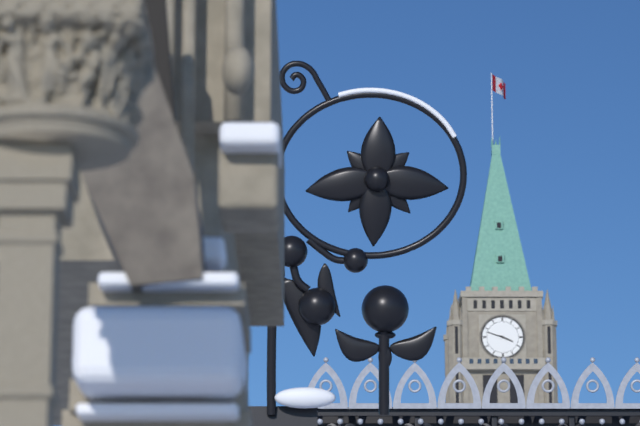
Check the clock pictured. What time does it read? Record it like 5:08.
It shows 3:48
